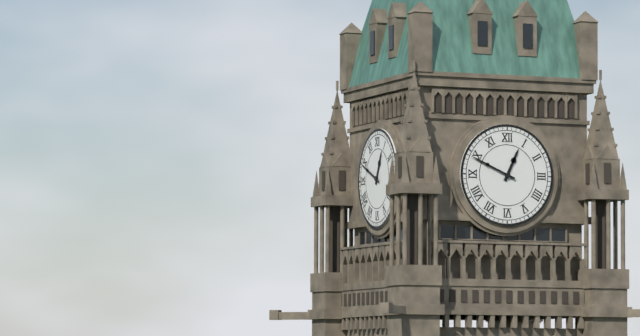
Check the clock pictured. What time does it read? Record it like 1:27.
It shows 12:49
